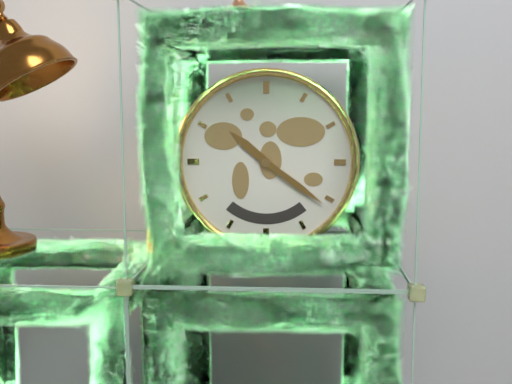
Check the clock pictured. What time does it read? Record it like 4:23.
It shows 10:21
